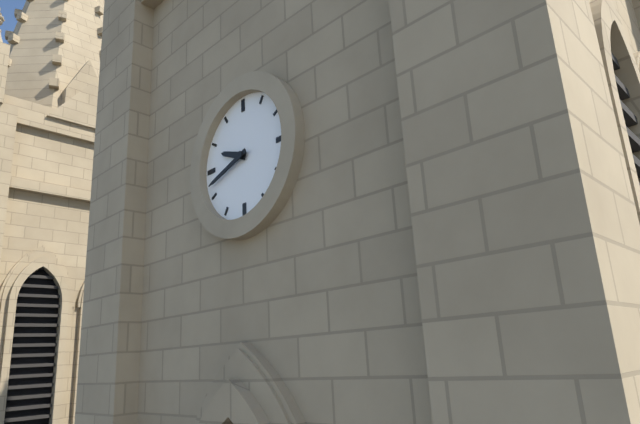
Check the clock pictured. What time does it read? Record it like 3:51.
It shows 9:42
